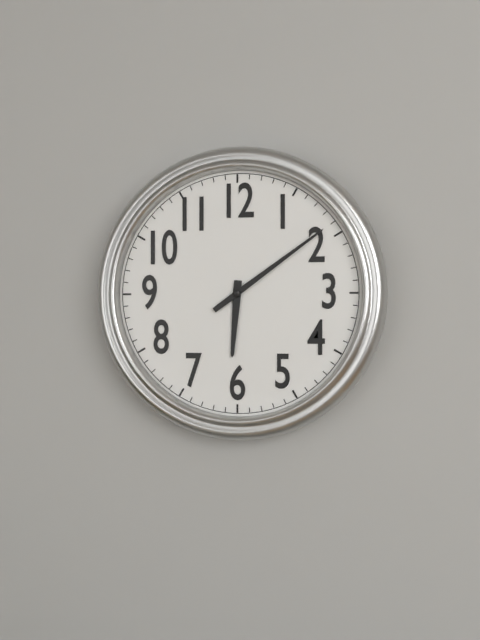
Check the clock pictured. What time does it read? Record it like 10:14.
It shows 6:09
